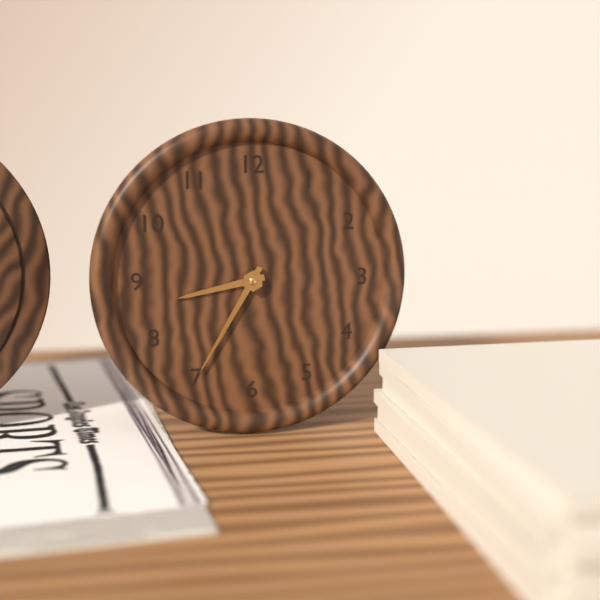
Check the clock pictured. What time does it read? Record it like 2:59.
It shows 8:35
